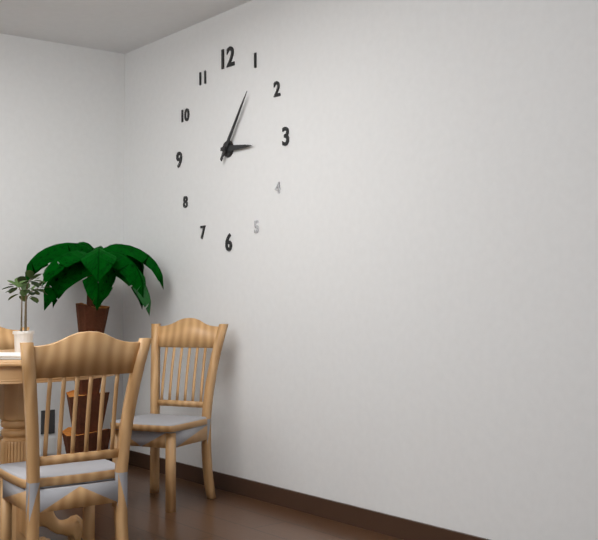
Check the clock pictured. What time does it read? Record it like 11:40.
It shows 3:06
